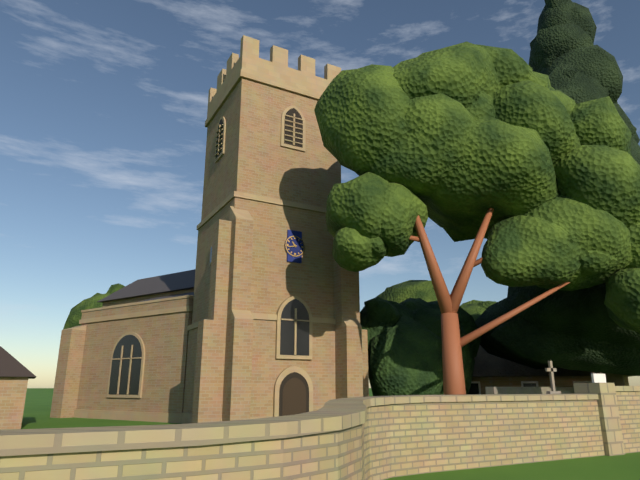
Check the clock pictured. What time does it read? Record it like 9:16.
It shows 10:43
